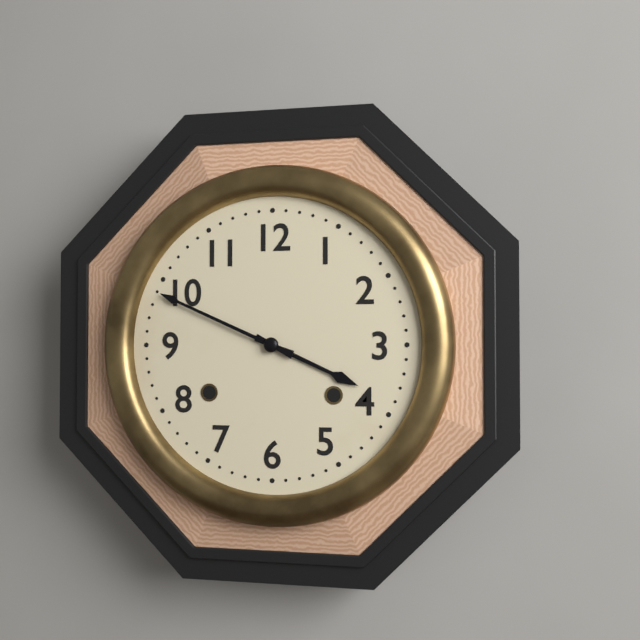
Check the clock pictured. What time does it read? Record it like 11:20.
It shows 3:49
